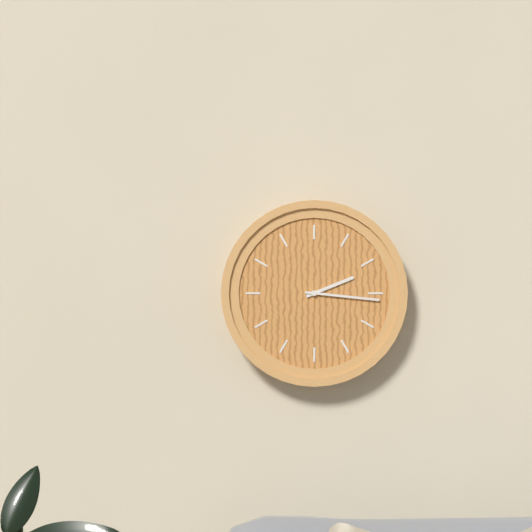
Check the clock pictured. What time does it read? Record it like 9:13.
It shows 2:16
